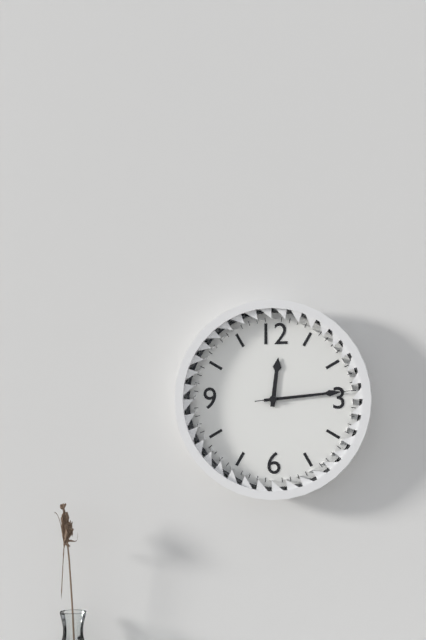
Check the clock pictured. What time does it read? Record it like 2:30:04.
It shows 12:14:14
